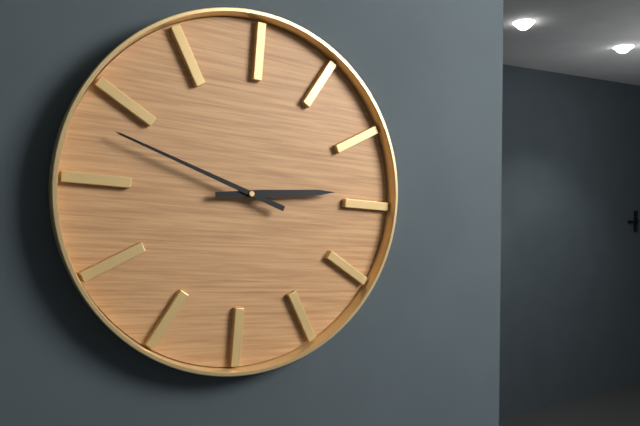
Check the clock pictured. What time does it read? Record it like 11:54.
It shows 2:48
